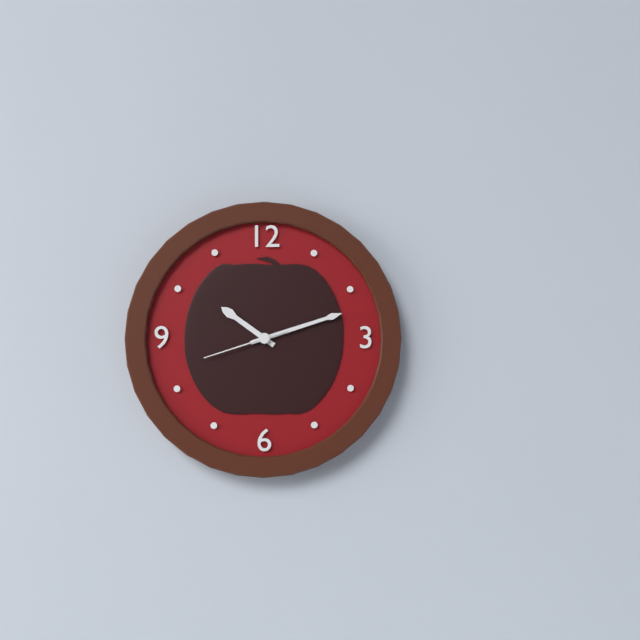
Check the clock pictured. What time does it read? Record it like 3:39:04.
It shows 10:12:42
